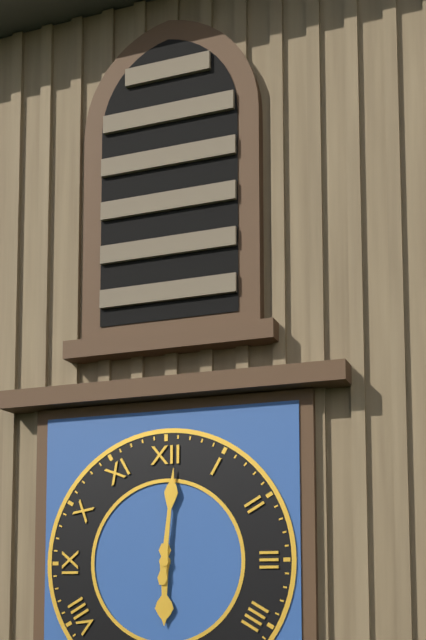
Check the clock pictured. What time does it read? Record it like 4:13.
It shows 6:01
